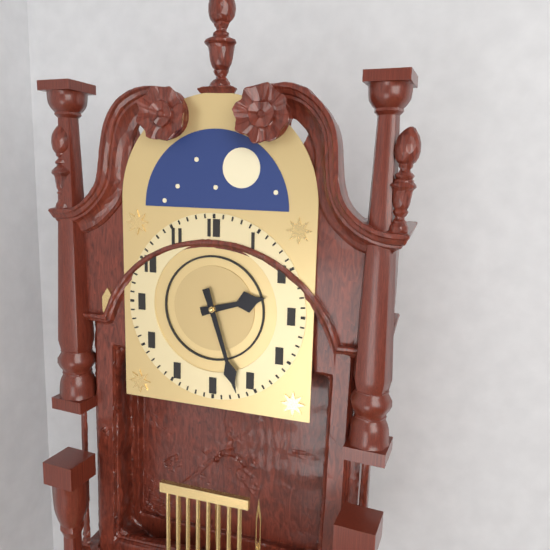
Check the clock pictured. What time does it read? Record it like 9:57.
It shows 2:27
